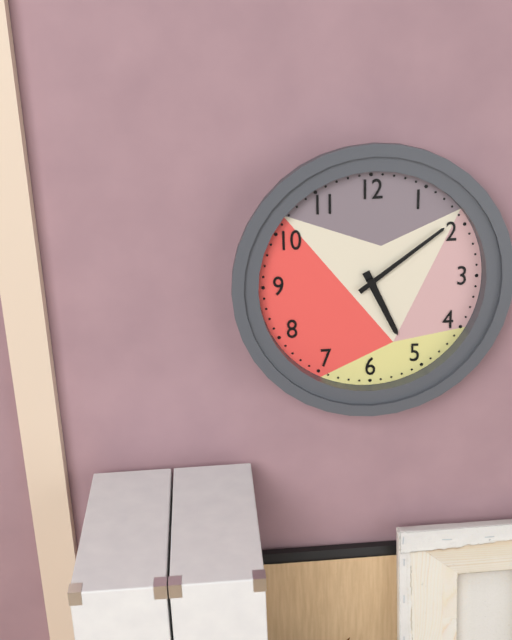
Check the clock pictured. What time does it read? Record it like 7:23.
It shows 5:09
